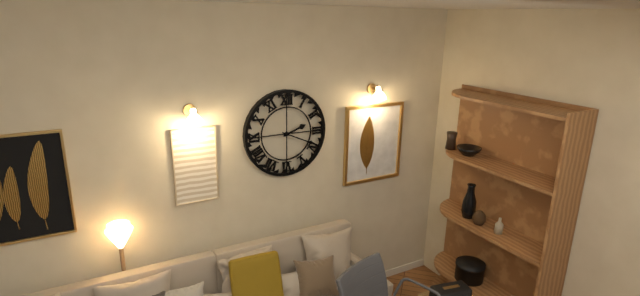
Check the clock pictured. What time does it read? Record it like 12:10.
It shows 2:19
